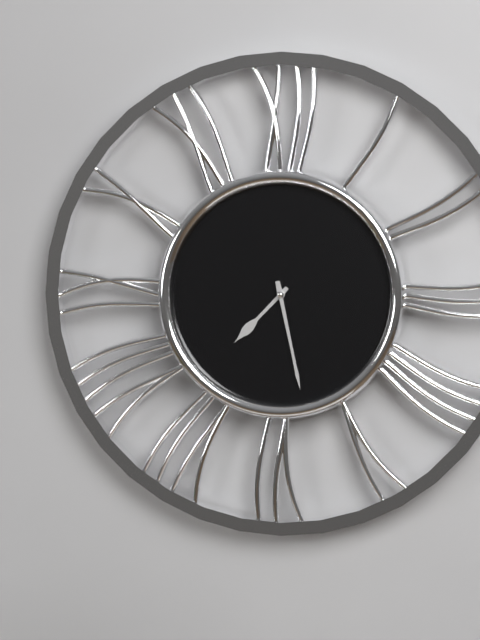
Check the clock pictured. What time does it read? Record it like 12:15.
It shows 7:28
